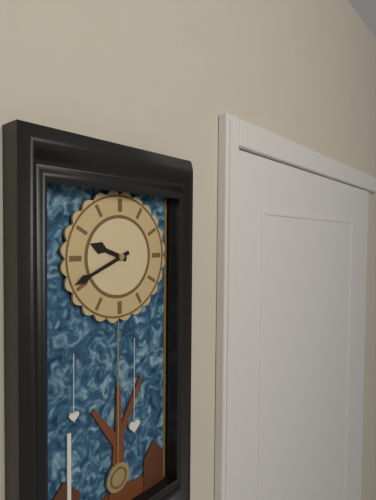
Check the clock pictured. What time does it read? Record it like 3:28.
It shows 9:41
